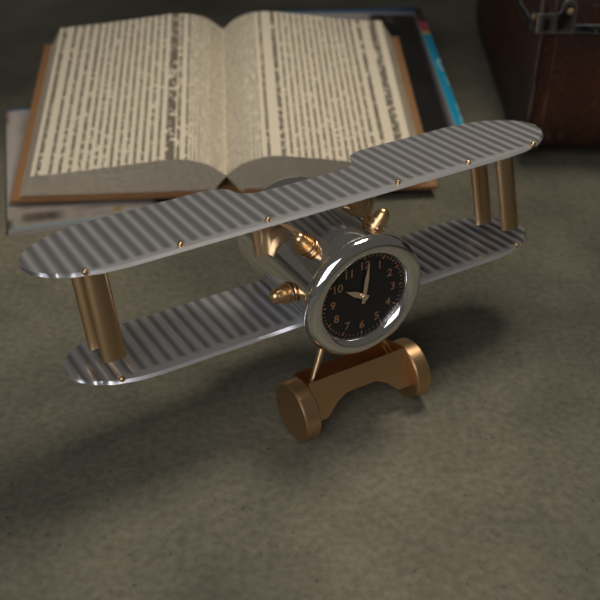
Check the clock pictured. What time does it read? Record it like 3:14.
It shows 10:01
